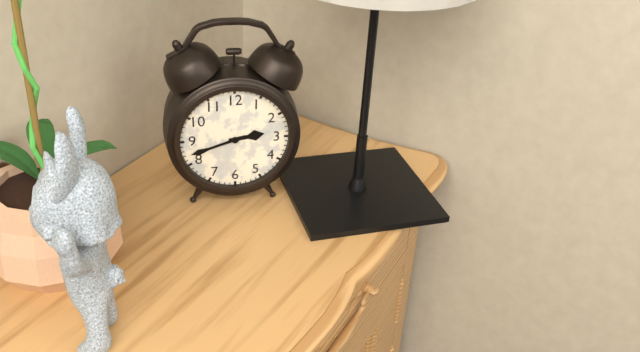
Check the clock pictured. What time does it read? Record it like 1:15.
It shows 2:42
